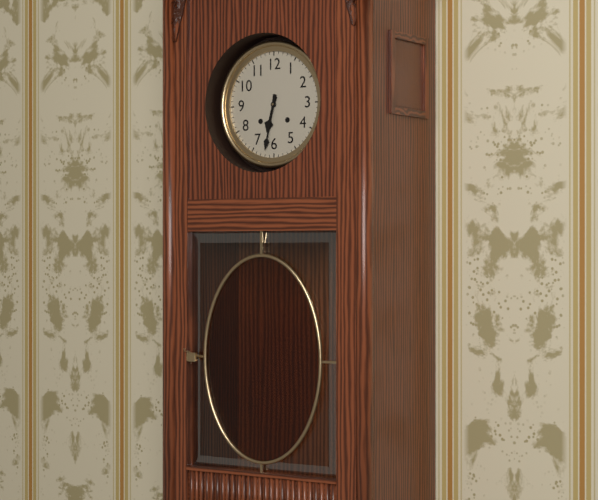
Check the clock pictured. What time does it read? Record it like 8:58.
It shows 6:32
